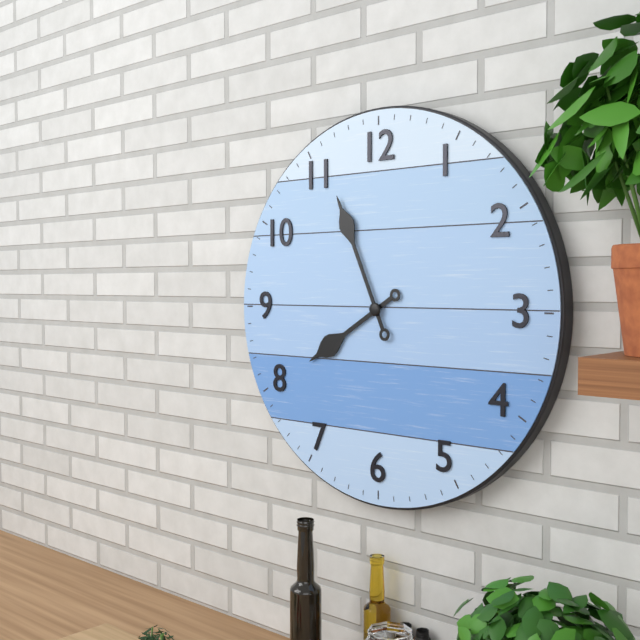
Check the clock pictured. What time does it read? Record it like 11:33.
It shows 7:56
